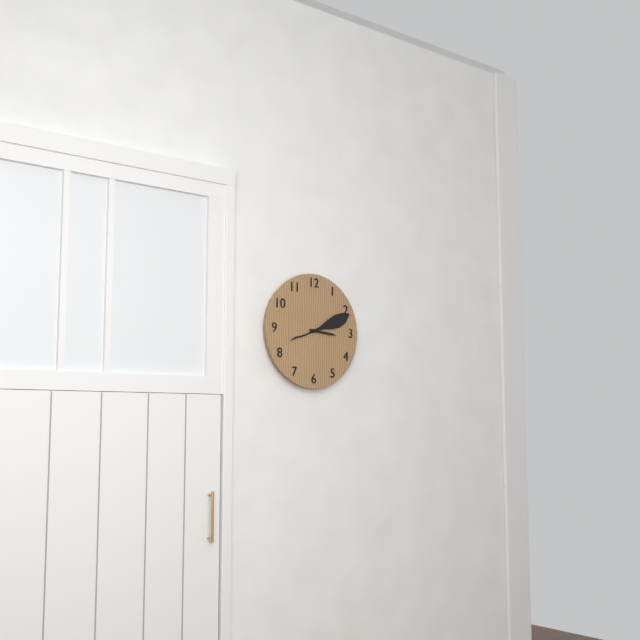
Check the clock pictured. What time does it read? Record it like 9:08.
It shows 3:11
